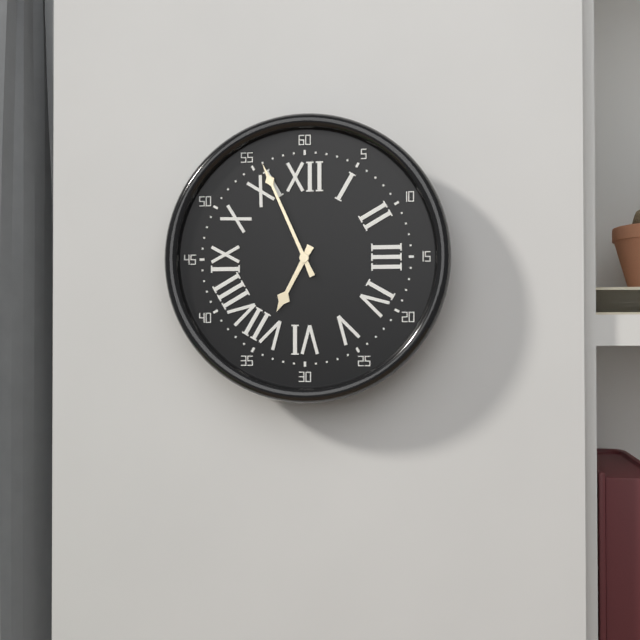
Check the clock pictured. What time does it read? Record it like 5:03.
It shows 6:56
